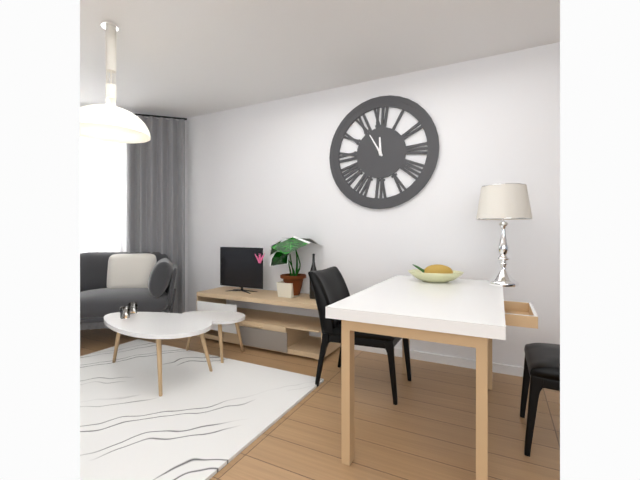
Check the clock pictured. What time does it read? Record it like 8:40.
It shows 11:55
